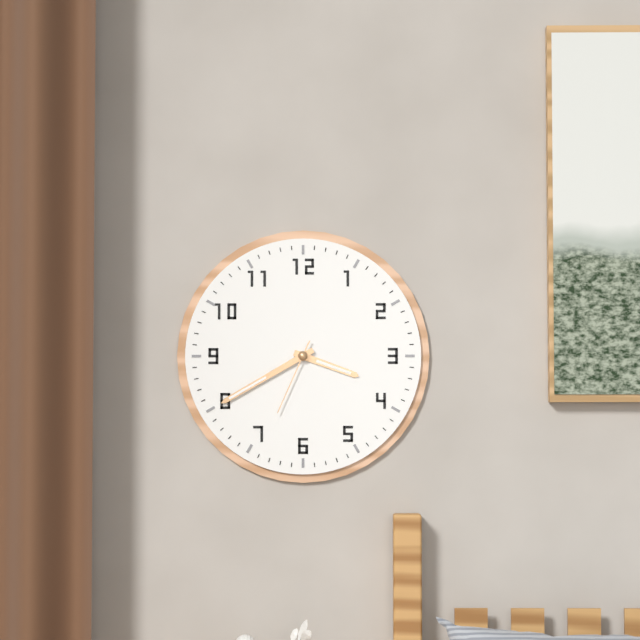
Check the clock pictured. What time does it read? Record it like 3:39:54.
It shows 3:40:34
